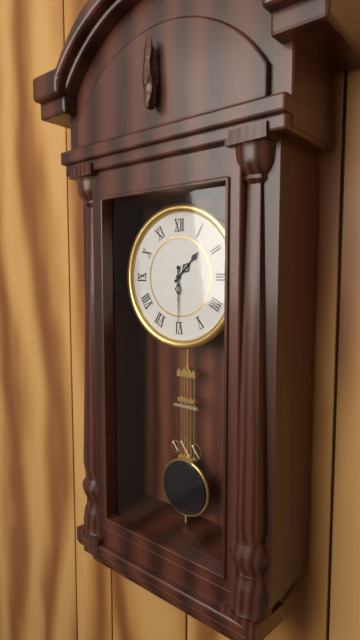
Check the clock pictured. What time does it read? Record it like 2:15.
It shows 1:30
